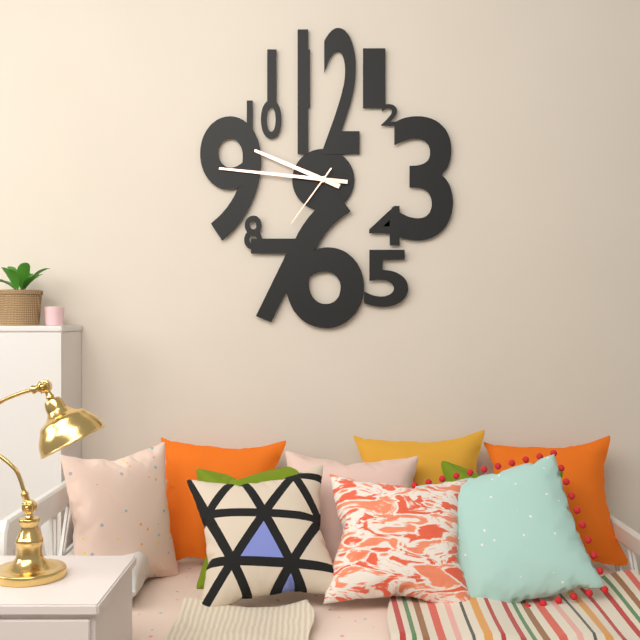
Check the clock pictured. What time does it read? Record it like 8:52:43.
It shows 9:46:36
